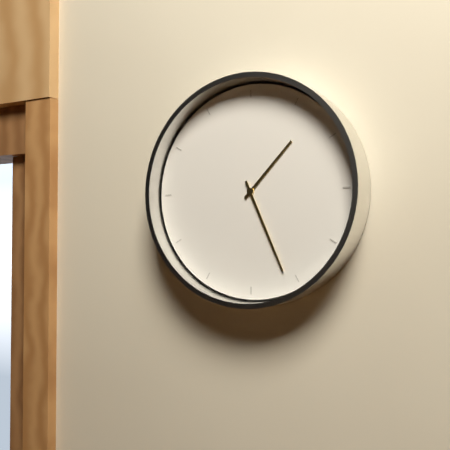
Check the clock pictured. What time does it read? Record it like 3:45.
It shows 1:26
